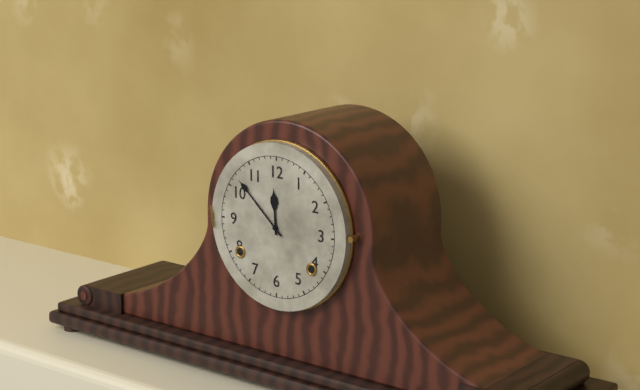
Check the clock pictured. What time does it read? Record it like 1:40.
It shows 11:52
